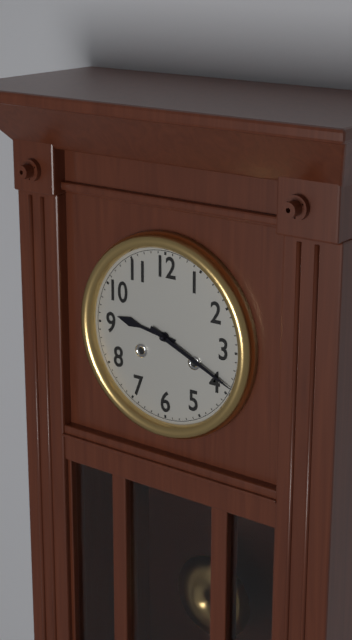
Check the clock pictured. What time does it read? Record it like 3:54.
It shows 9:19
